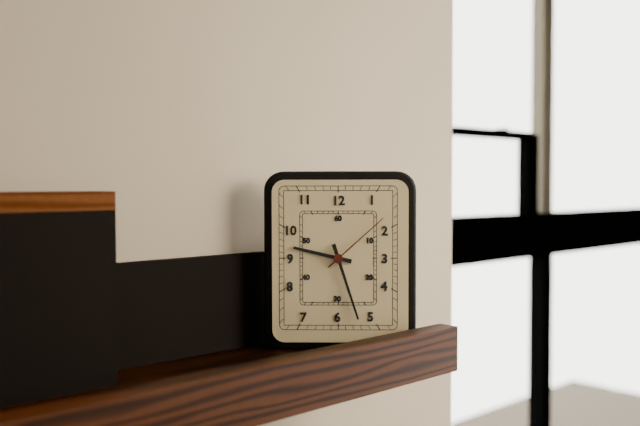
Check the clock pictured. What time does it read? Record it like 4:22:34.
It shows 9:27:08
